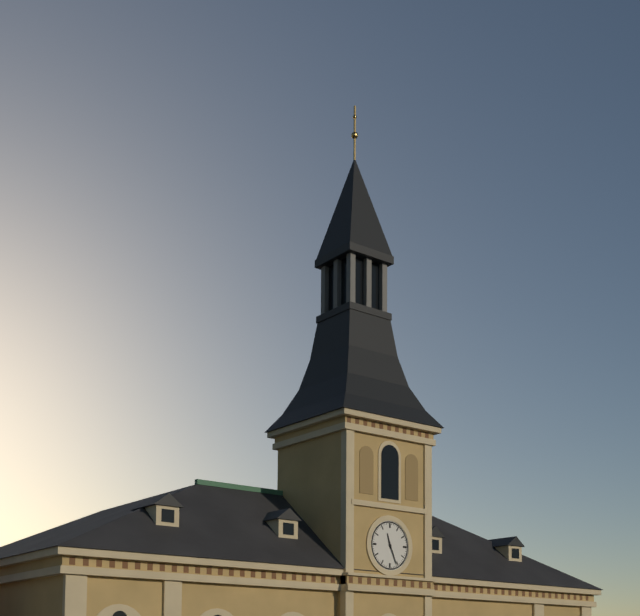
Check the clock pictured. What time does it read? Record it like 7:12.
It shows 11:26
